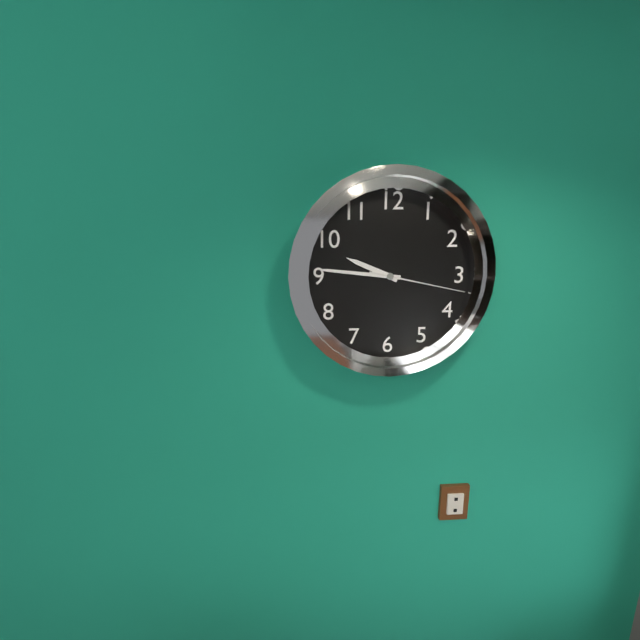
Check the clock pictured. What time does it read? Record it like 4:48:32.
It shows 9:46:17
